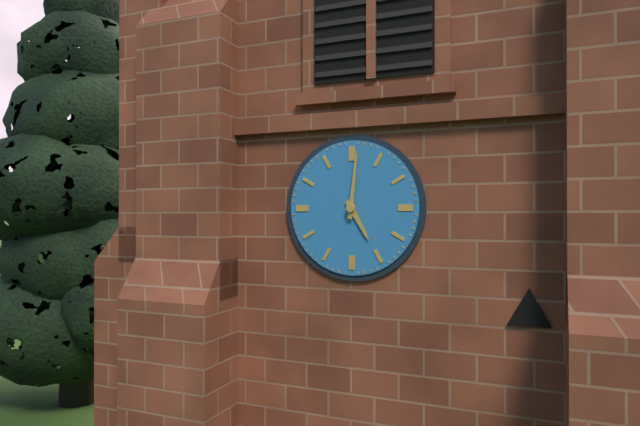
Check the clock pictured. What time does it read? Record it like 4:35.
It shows 5:01
